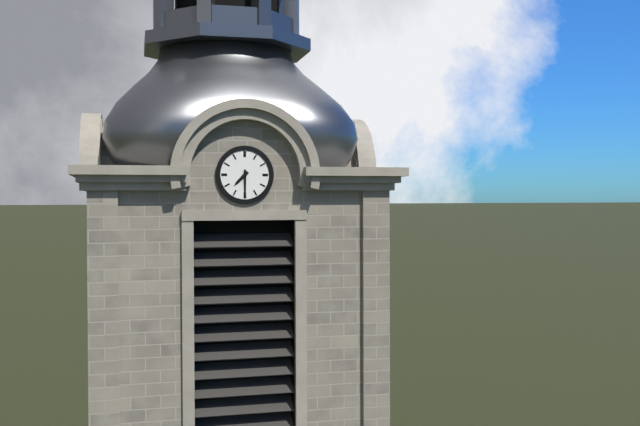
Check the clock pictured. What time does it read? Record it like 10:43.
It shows 7:30
